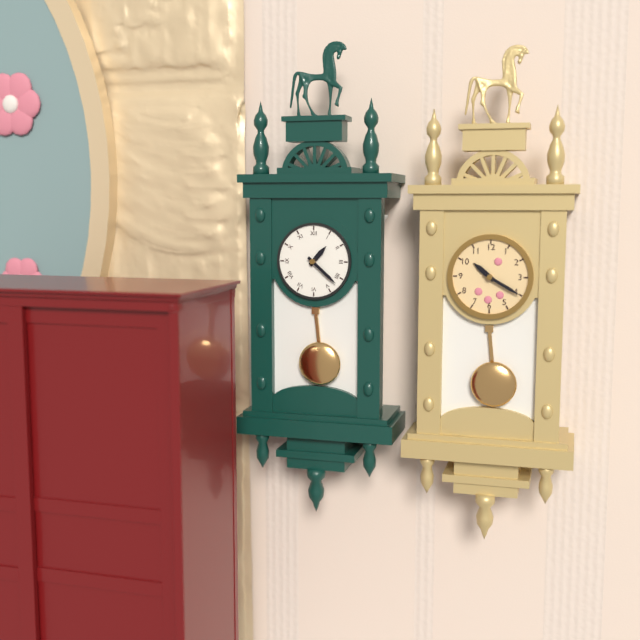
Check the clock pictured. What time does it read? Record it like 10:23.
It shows 1:22
